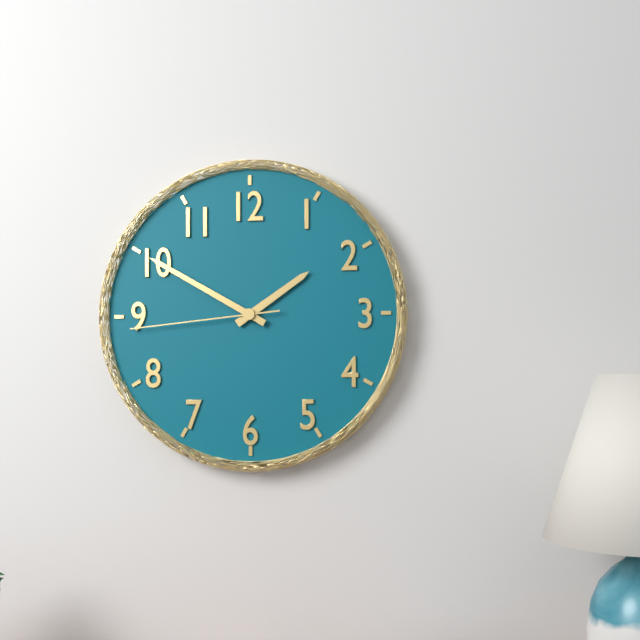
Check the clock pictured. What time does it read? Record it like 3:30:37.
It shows 1:50:44
